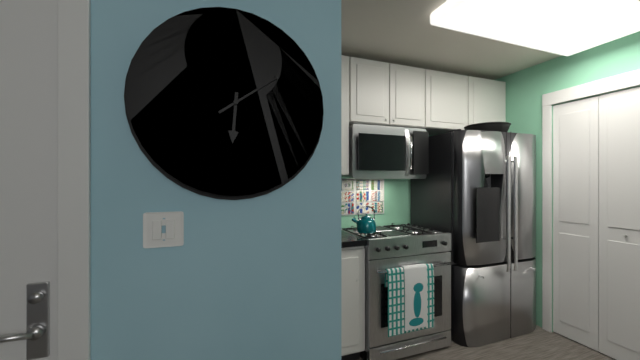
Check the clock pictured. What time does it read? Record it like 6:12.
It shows 6:09
